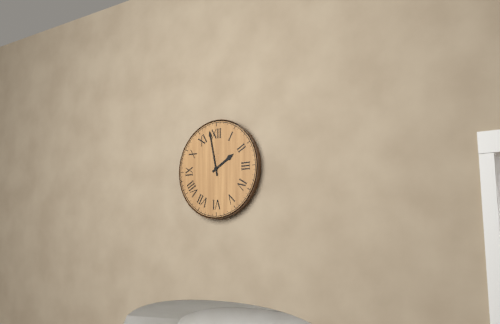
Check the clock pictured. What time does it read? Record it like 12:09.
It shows 1:58
